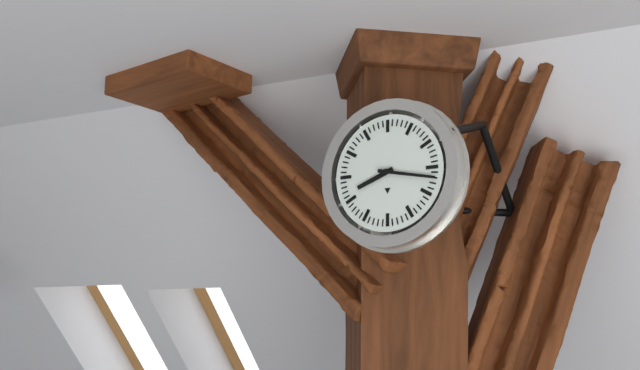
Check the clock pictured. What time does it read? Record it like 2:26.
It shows 8:17
